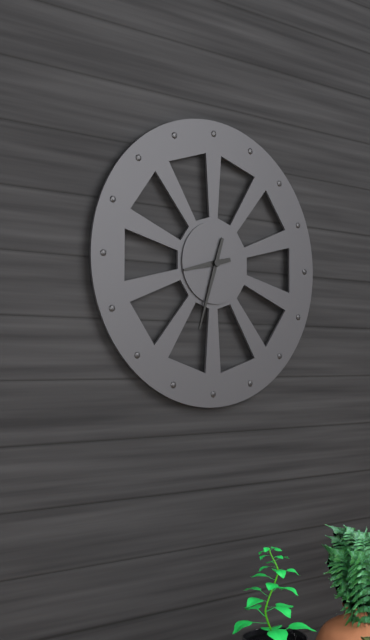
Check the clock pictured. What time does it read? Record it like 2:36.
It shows 8:33
